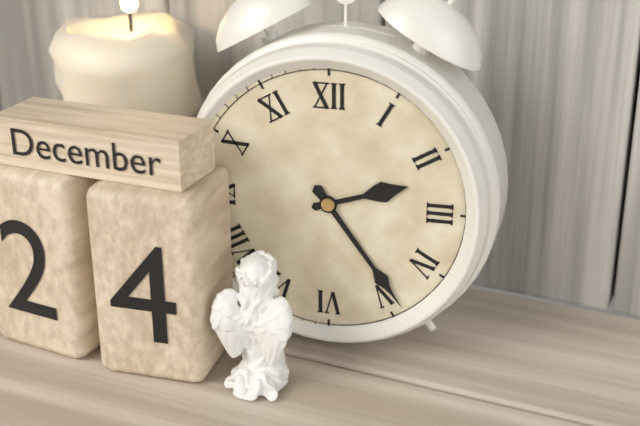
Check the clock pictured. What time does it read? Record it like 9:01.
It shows 2:24
